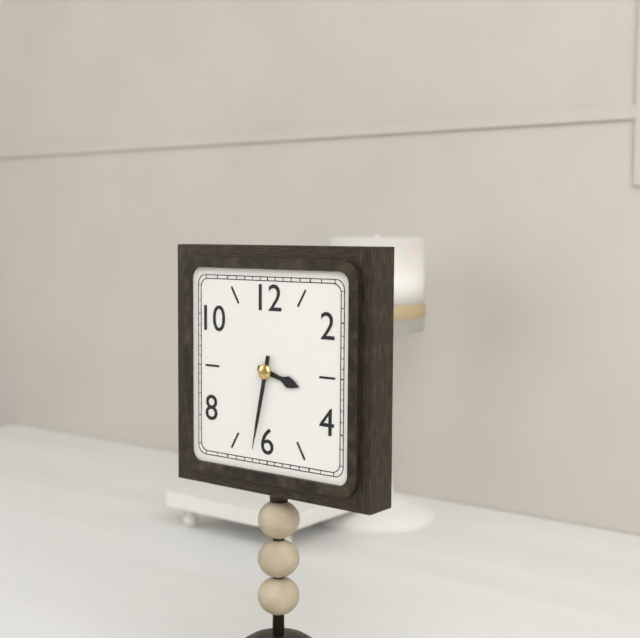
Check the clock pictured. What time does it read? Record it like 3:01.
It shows 3:32
